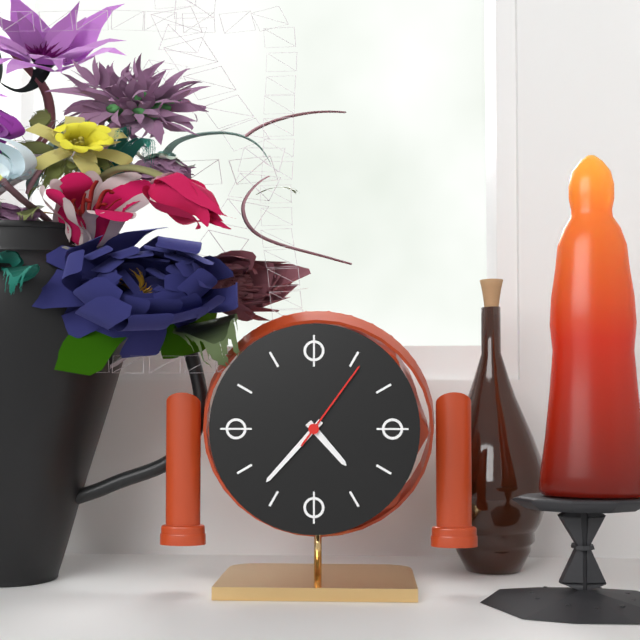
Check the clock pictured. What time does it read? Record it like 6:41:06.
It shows 4:37:06
